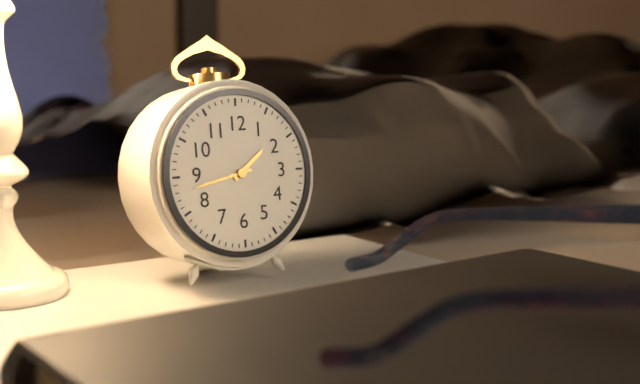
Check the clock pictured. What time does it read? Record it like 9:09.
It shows 1:43
